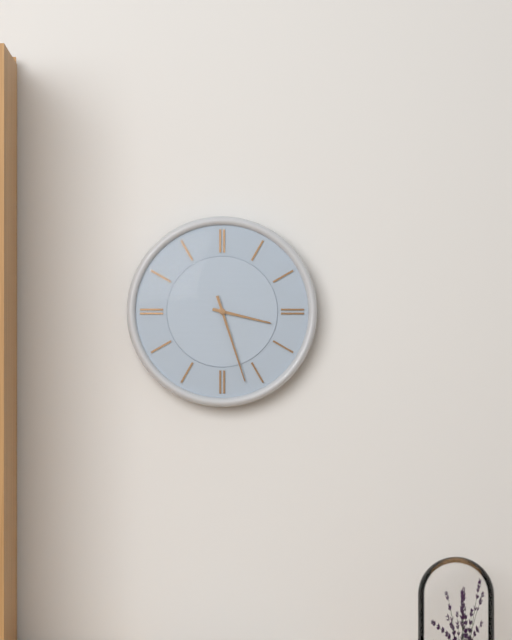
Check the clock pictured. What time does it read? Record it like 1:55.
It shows 3:27
